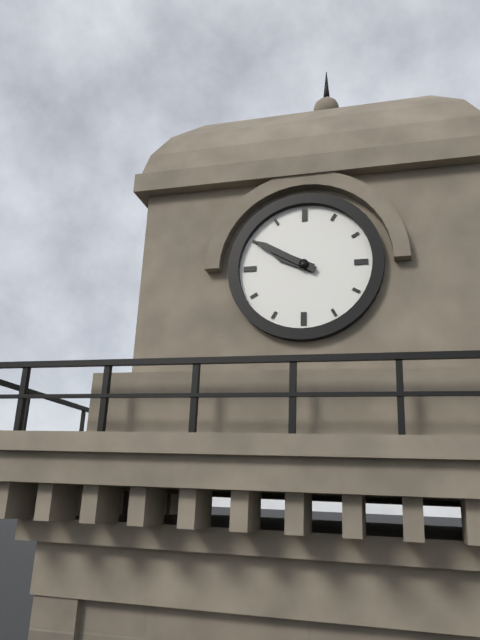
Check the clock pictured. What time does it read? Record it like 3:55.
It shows 9:50
